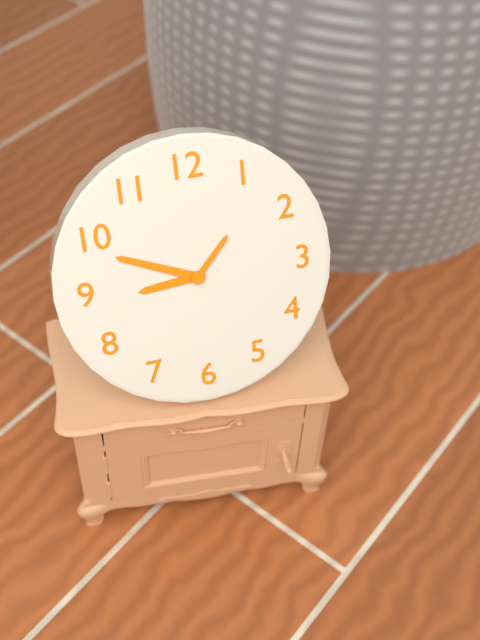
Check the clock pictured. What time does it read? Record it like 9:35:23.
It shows 8:49:07
